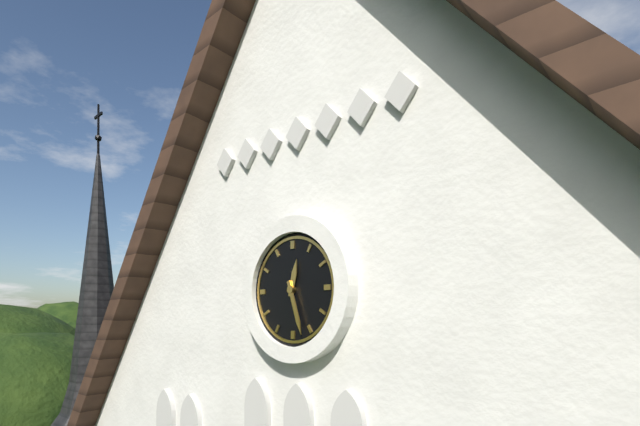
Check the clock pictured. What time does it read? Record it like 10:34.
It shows 12:27
